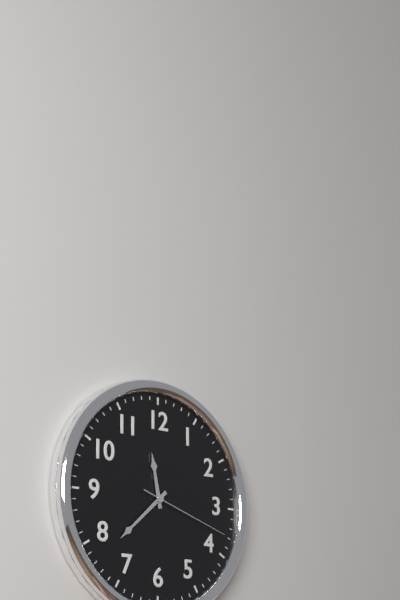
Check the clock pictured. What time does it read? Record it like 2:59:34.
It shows 11:38:18
